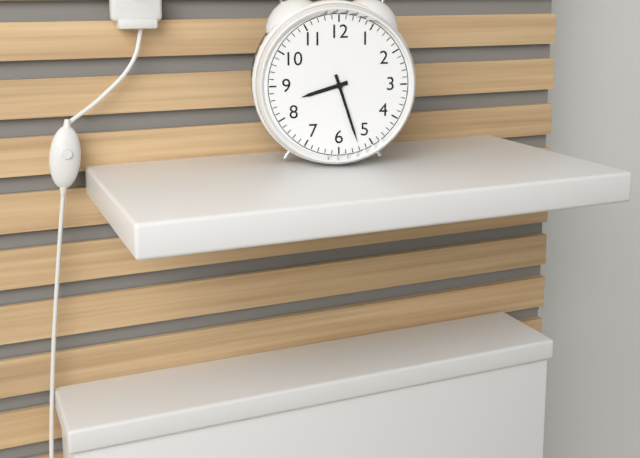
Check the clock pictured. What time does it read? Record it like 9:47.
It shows 8:27
